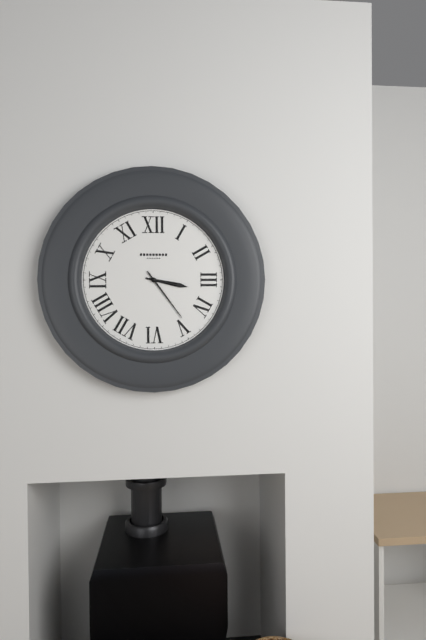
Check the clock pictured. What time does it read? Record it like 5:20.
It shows 3:24
